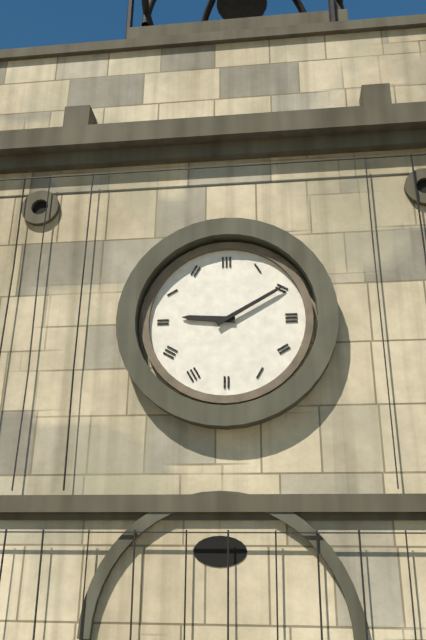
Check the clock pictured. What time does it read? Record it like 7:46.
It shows 9:10
